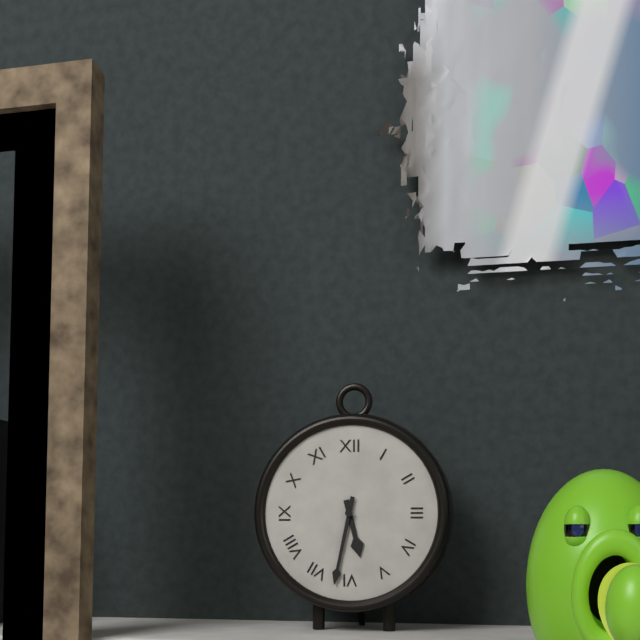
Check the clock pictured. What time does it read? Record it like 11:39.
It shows 5:32
